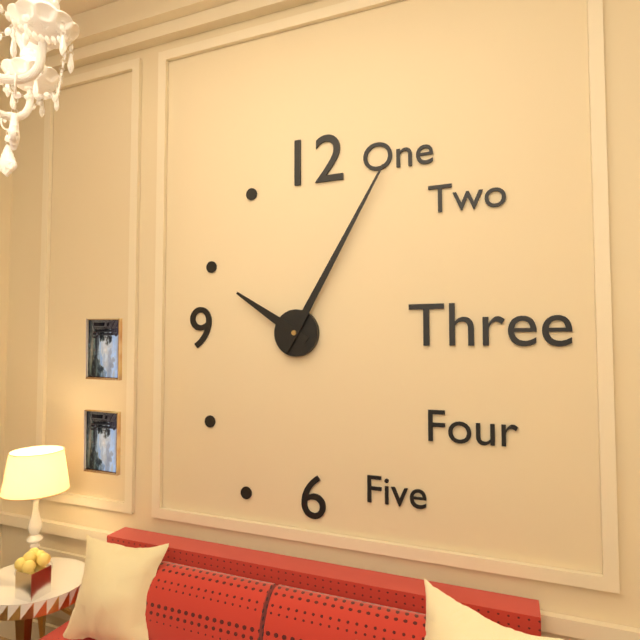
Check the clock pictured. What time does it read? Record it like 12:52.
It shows 10:05
